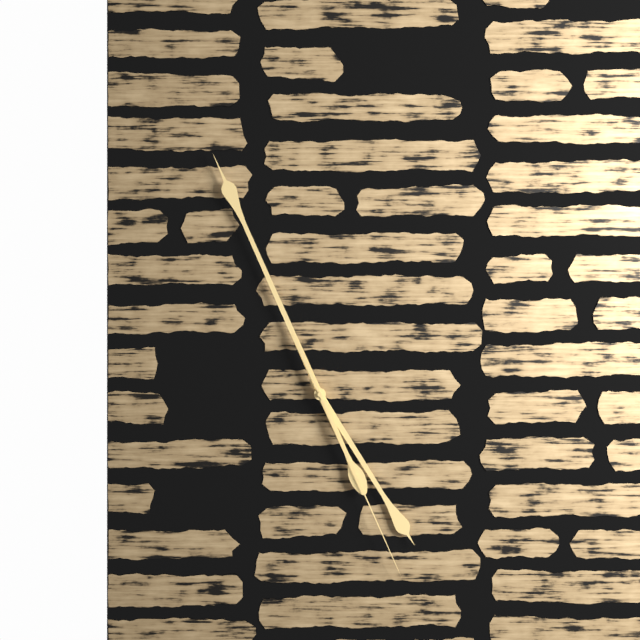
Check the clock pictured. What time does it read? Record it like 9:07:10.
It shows 4:56:26
